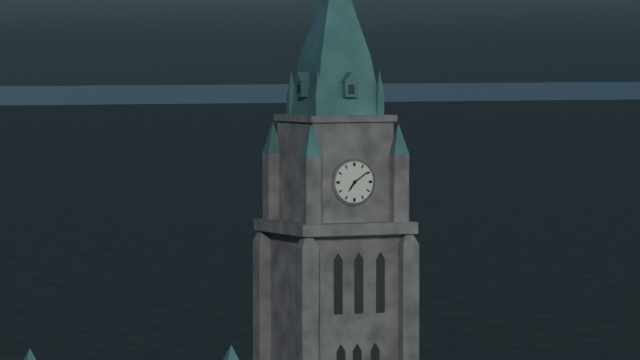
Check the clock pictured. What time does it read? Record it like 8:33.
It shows 7:09
